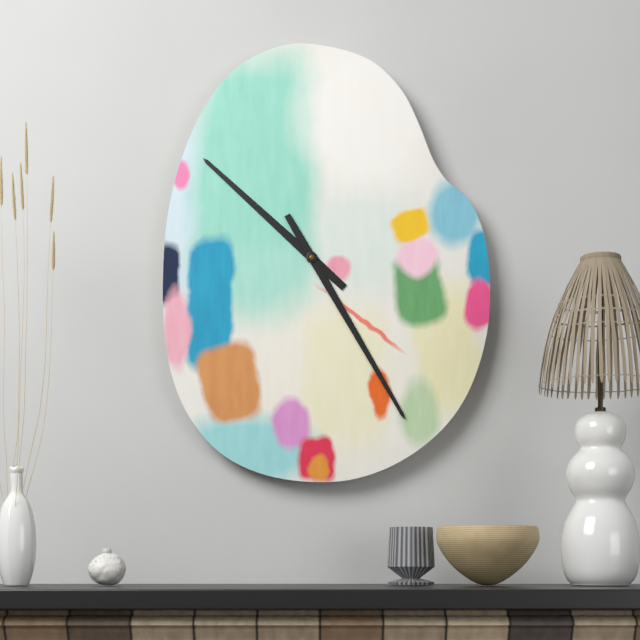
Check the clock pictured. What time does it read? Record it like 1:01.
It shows 10:25
